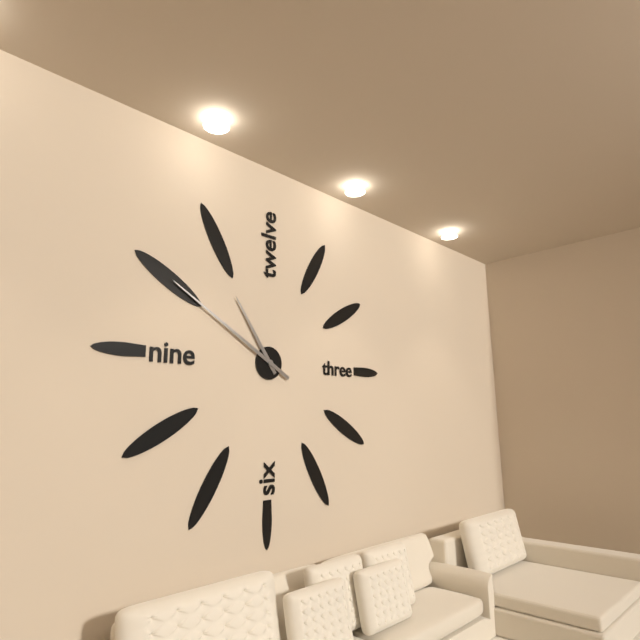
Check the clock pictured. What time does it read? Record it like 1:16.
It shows 10:50
